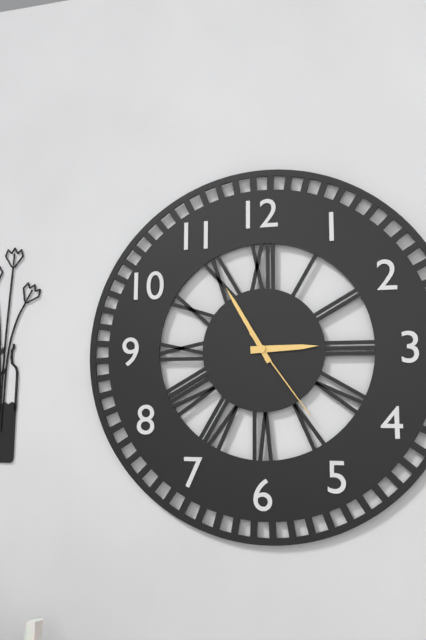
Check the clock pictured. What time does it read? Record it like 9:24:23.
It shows 2:55:24
